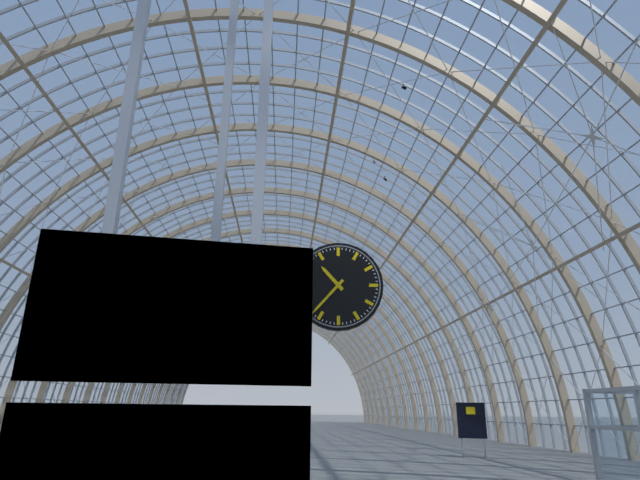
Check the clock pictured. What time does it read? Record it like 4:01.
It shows 10:37
